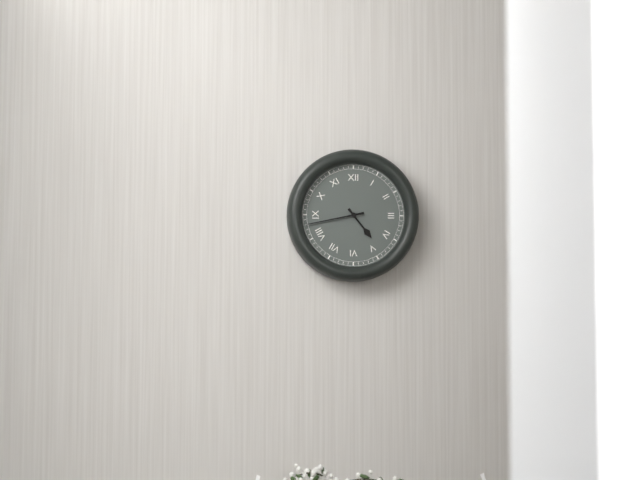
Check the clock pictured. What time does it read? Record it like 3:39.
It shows 4:43
